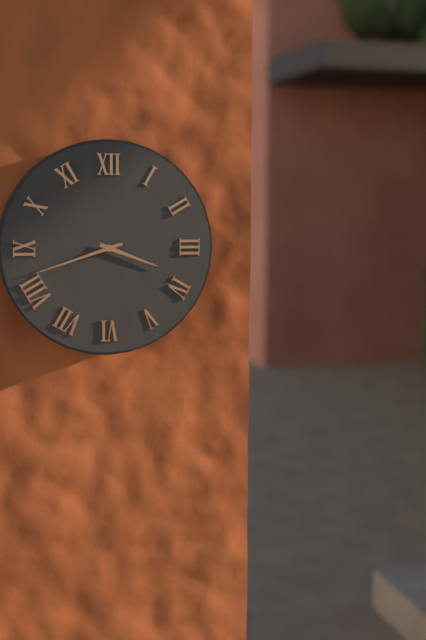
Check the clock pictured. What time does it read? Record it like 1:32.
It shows 3:42
